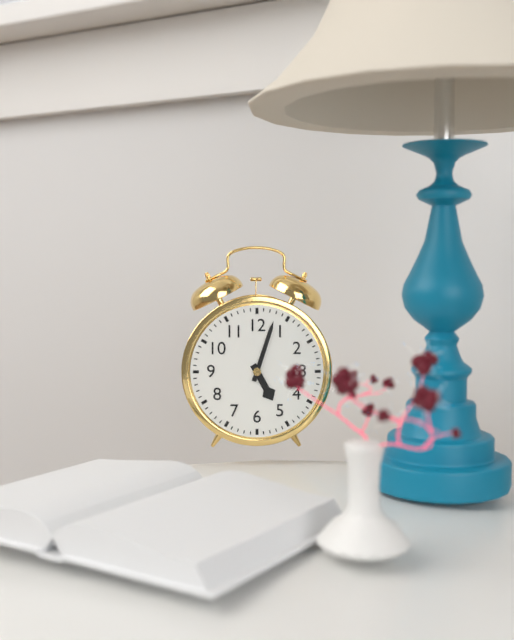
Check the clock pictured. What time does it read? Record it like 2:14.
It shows 5:03
